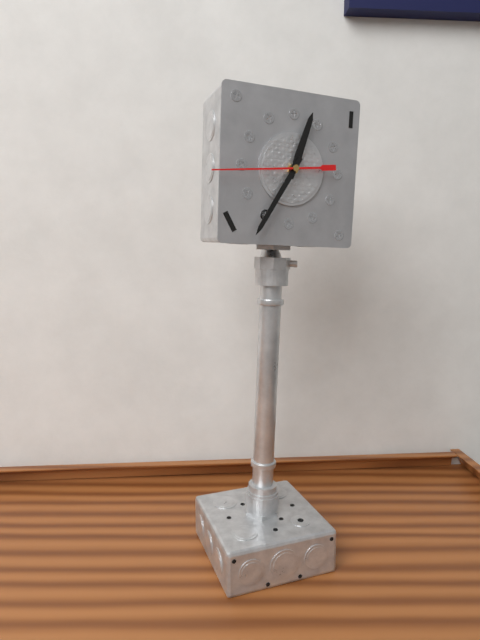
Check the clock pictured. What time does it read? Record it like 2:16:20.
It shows 12:35:44
